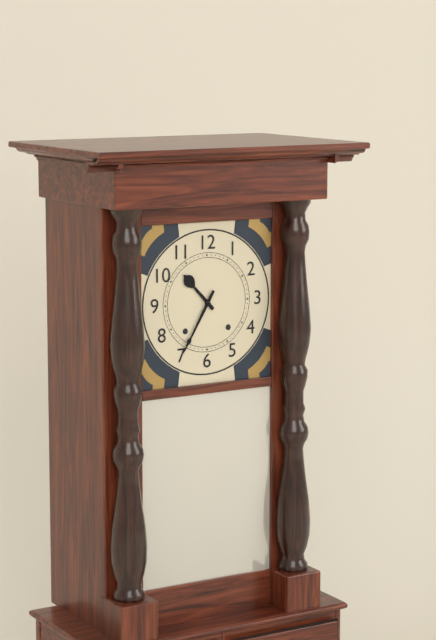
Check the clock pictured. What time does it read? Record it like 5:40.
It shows 10:35
